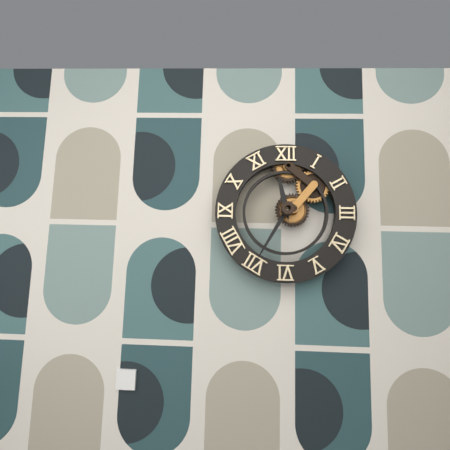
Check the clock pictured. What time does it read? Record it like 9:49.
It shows 11:35
